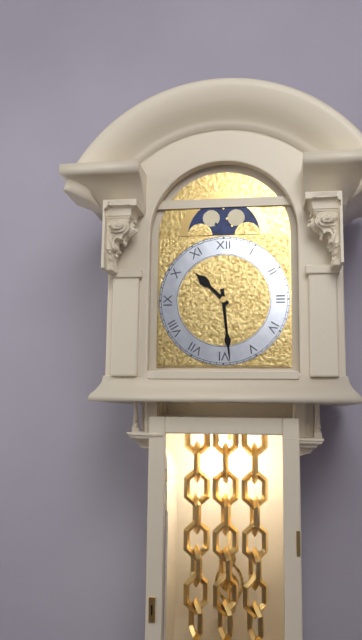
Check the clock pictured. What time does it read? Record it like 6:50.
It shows 10:29
